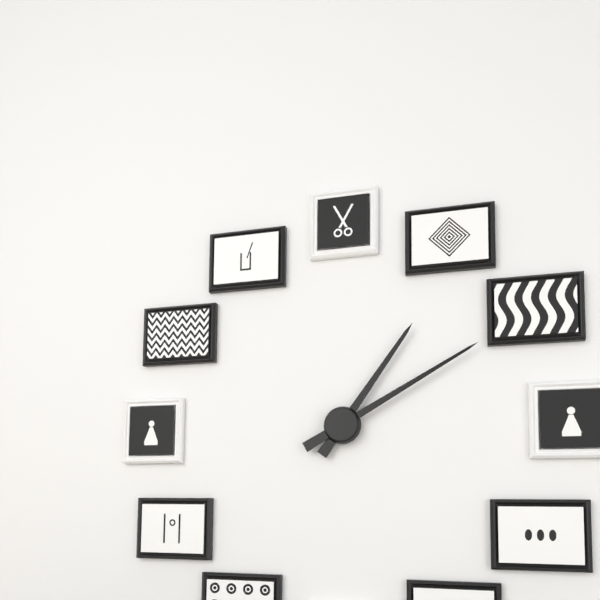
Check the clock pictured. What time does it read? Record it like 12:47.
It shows 1:10
